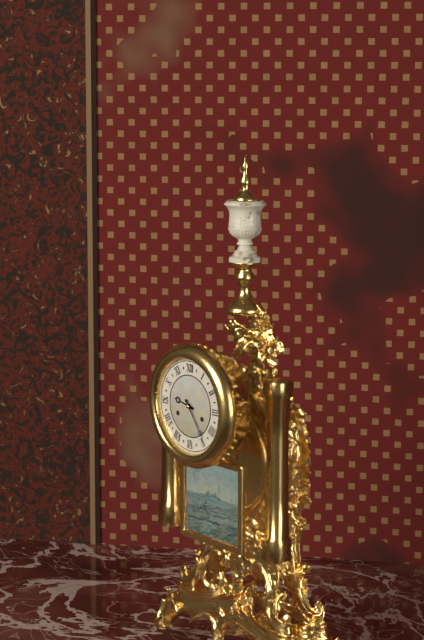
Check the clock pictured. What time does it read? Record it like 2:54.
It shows 9:24
